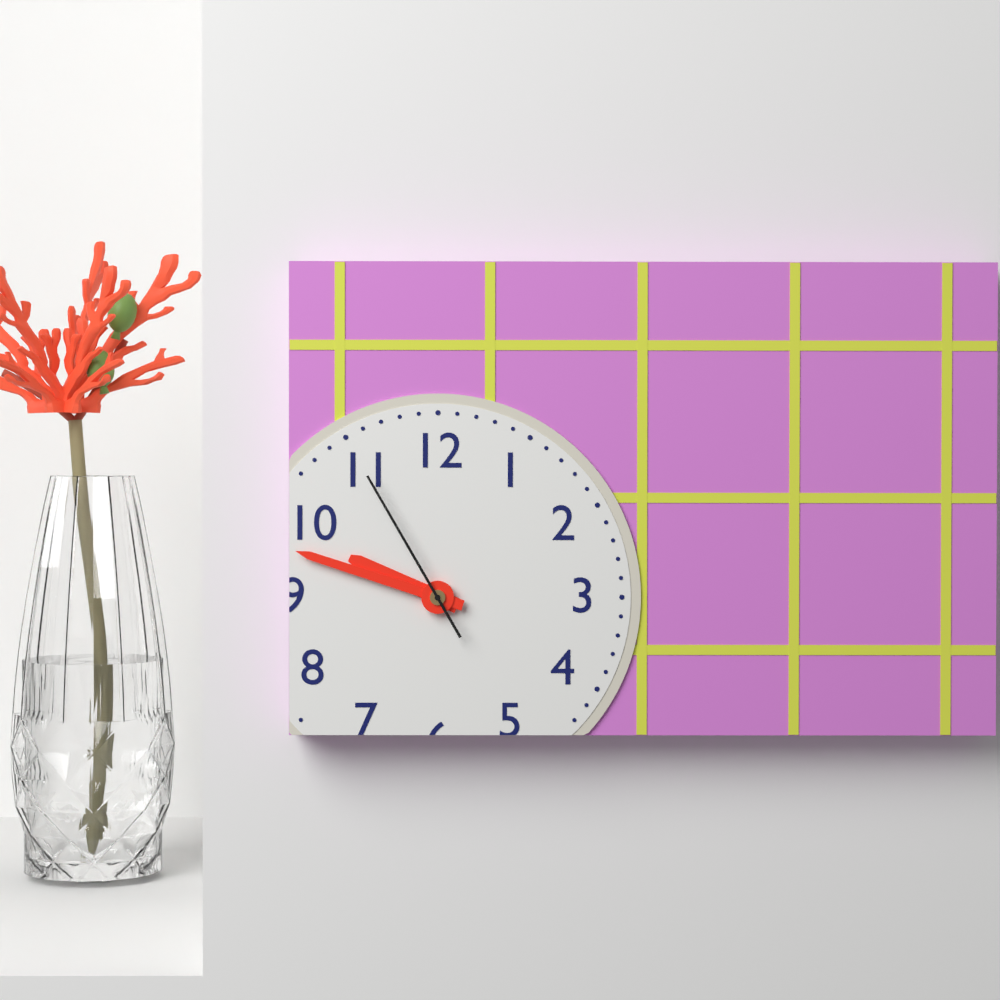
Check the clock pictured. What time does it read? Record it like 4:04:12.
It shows 9:48:55
